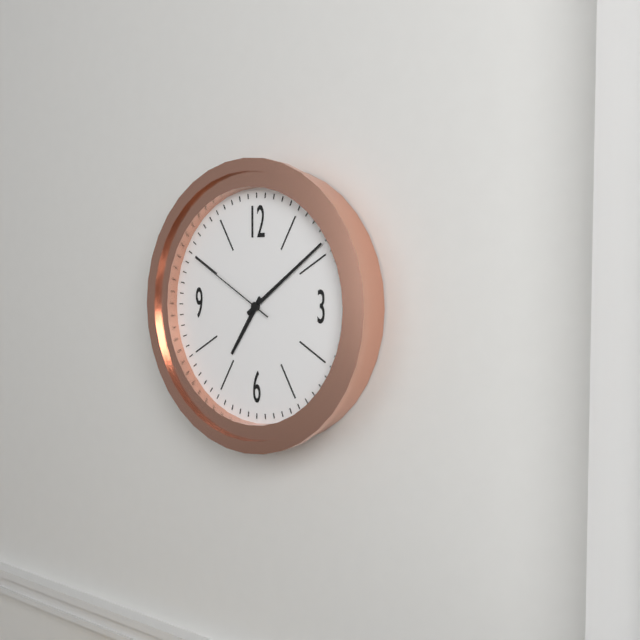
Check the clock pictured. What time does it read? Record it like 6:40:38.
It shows 7:09:50
